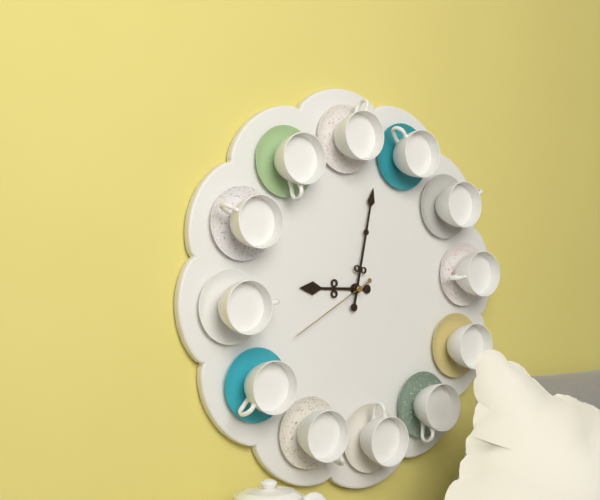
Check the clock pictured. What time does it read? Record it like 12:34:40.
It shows 9:02:40
